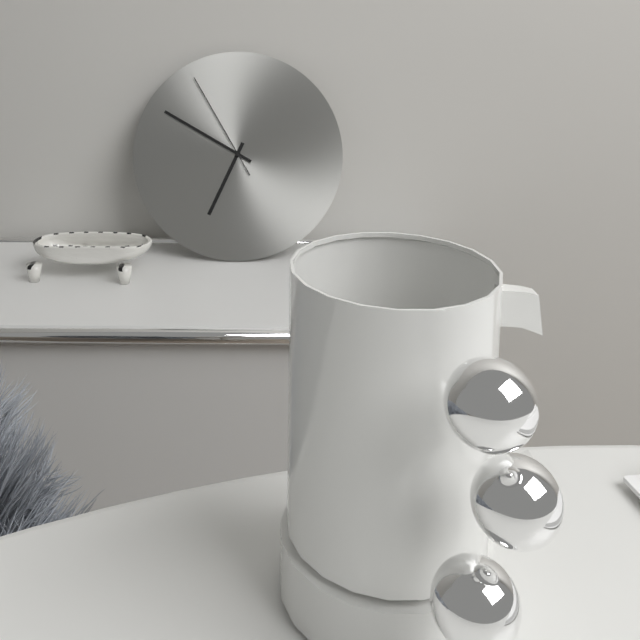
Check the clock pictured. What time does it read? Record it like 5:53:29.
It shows 6:50:55
